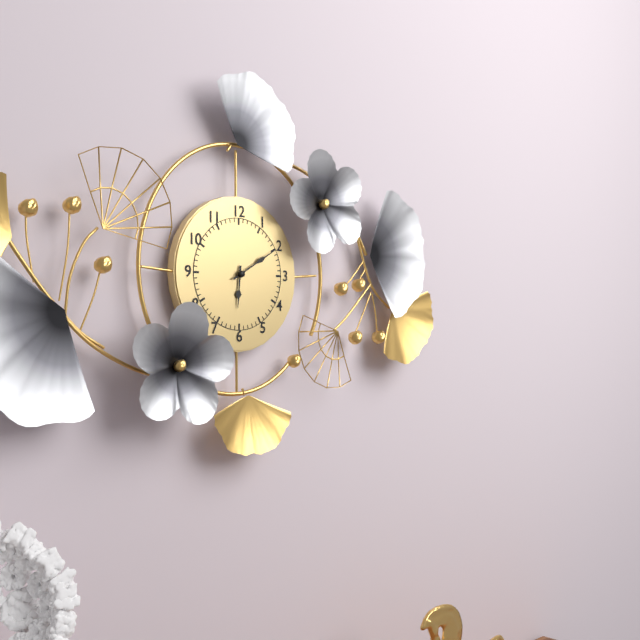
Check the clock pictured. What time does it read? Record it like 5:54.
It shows 6:10
